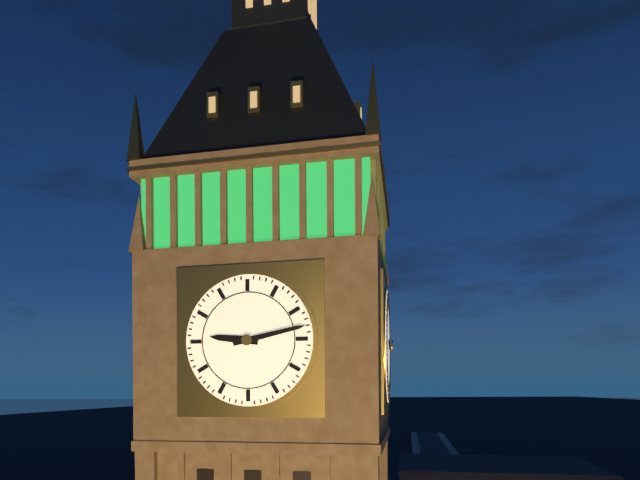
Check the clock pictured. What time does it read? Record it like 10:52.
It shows 9:13
